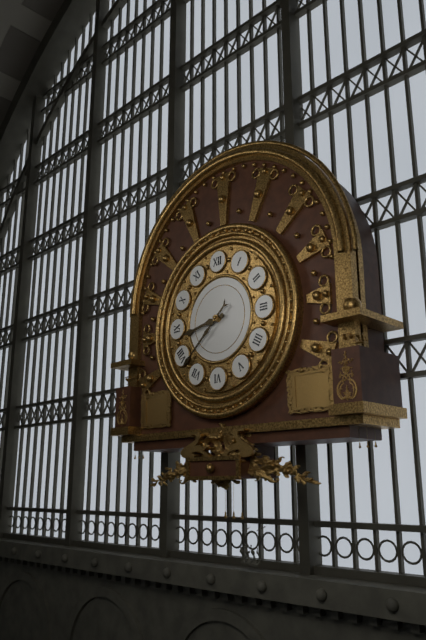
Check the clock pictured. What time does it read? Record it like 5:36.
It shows 8:38
